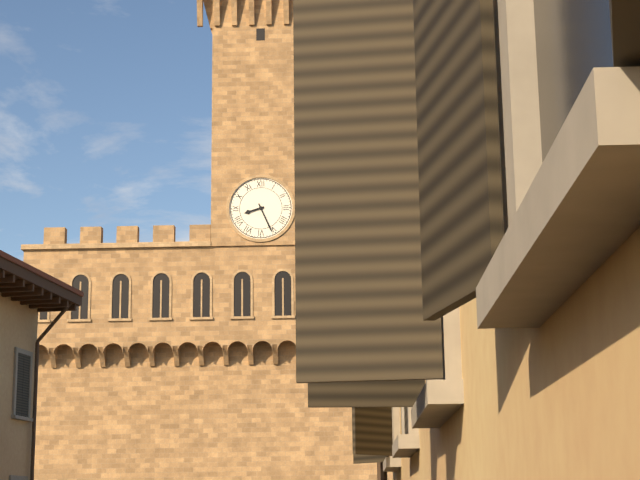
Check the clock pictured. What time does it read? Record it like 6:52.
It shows 8:26
